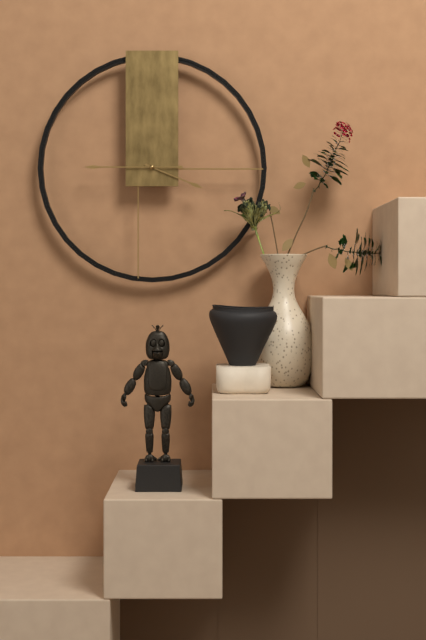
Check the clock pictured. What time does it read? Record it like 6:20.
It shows 3:45
